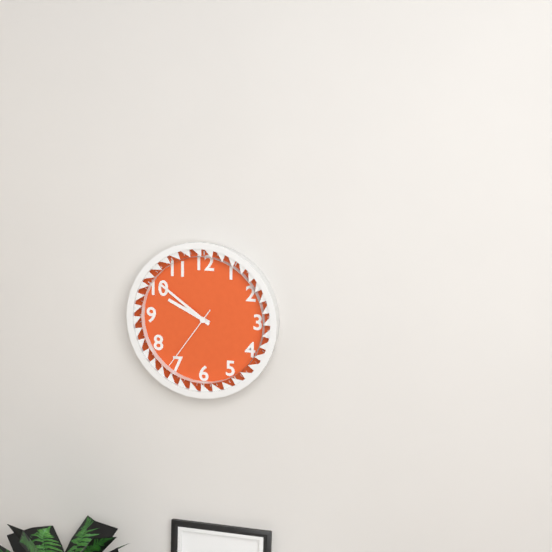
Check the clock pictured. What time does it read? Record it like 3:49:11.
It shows 9:51:36
